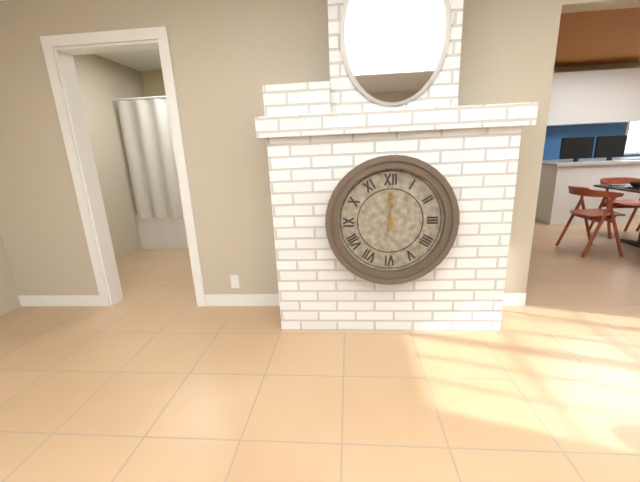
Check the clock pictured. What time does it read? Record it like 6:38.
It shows 12:00
